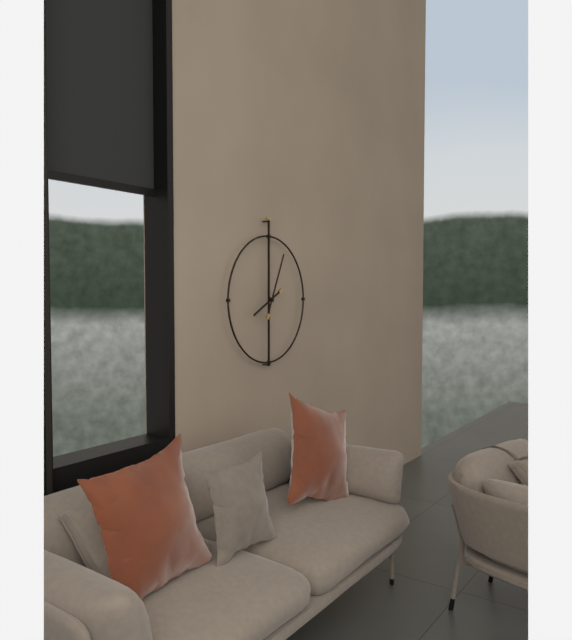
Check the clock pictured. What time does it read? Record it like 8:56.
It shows 8:04
